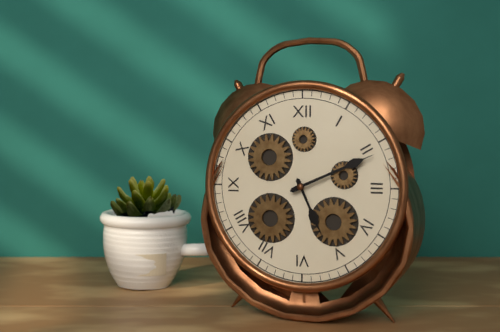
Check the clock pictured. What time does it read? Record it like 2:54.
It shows 5:11
